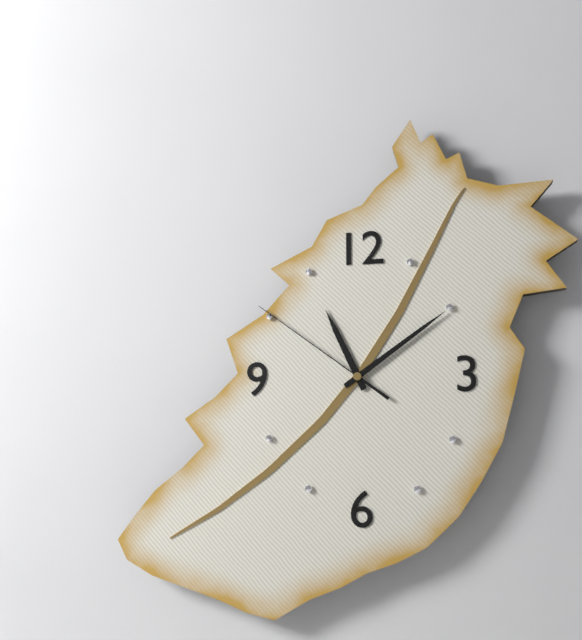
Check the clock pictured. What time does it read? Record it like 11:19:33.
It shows 11:09:51
